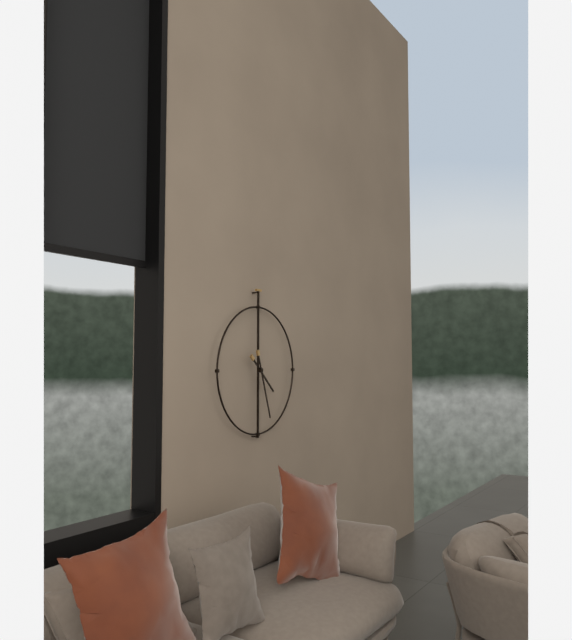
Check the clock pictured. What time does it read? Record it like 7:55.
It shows 4:27
